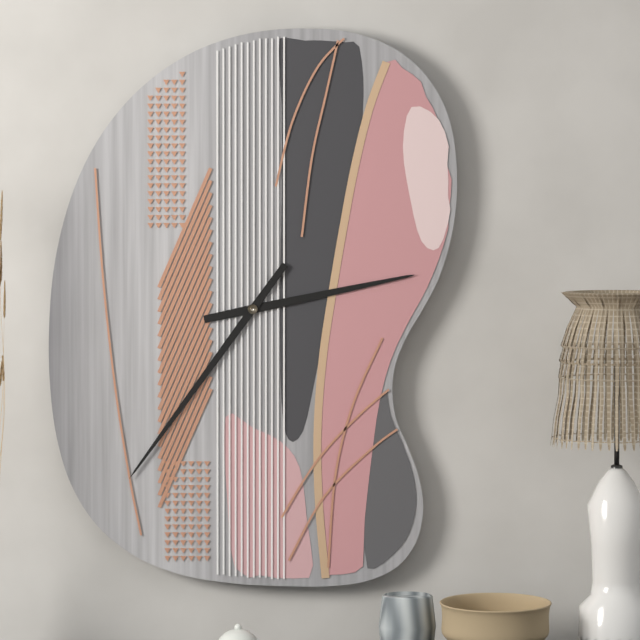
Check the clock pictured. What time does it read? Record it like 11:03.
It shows 2:36
